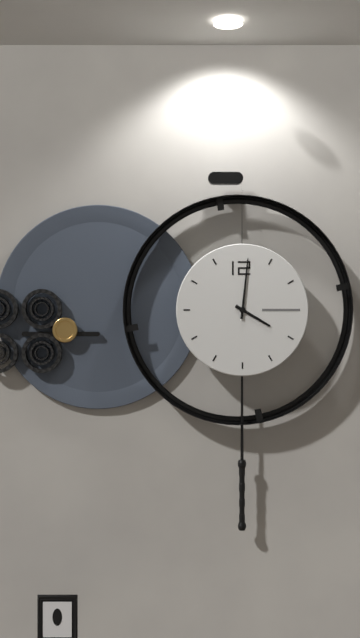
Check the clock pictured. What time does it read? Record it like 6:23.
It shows 4:01
